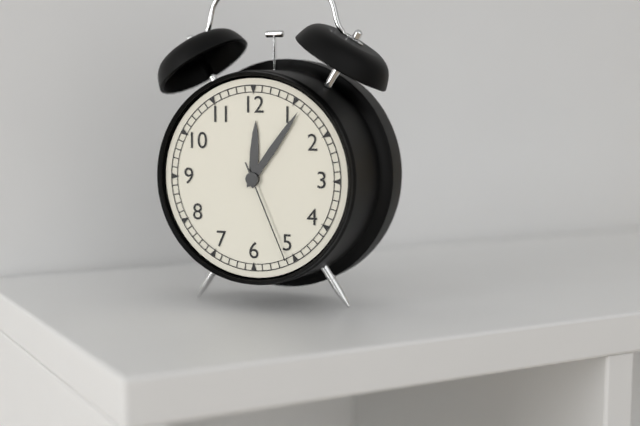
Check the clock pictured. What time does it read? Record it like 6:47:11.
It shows 12:06:26
